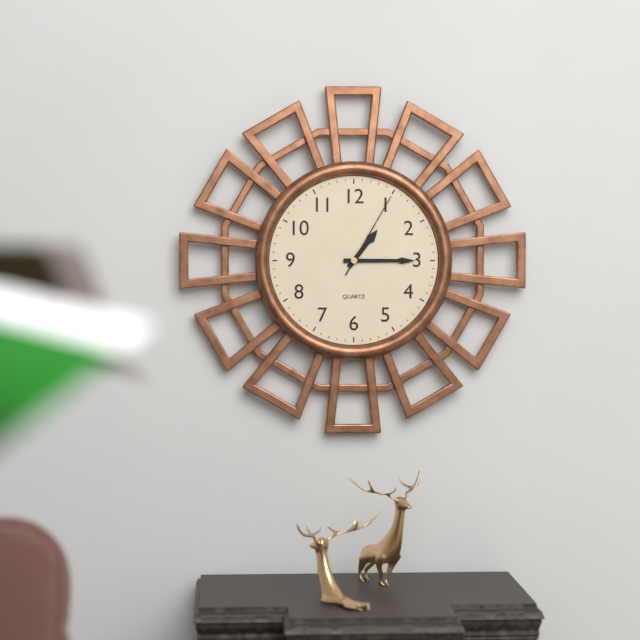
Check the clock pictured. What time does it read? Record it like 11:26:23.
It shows 1:15:05
